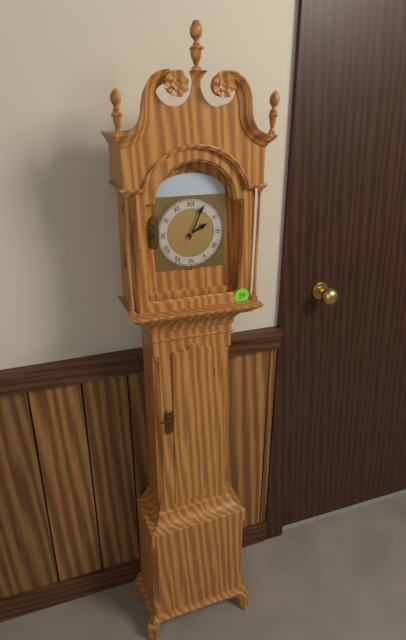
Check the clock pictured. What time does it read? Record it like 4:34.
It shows 2:04
